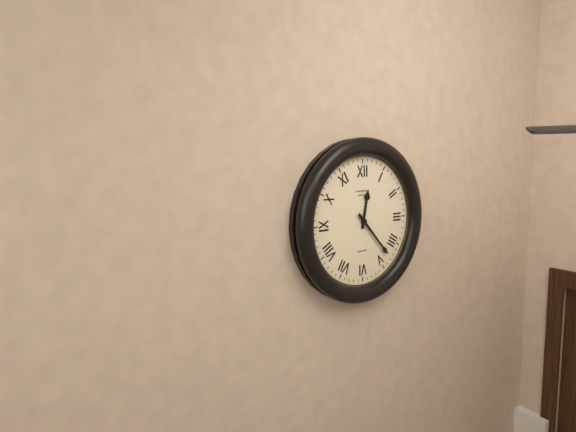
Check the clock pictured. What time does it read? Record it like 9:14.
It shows 12:23
